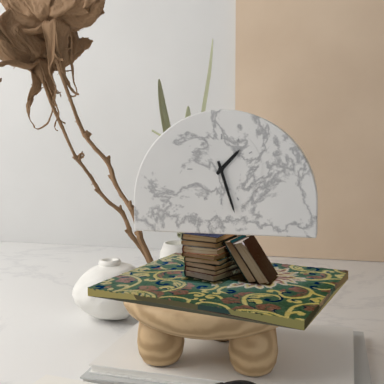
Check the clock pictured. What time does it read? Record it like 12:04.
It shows 1:27
